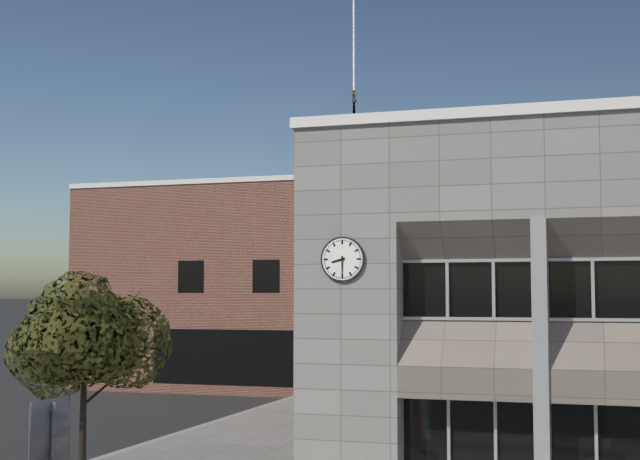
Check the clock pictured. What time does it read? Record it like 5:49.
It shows 8:30
